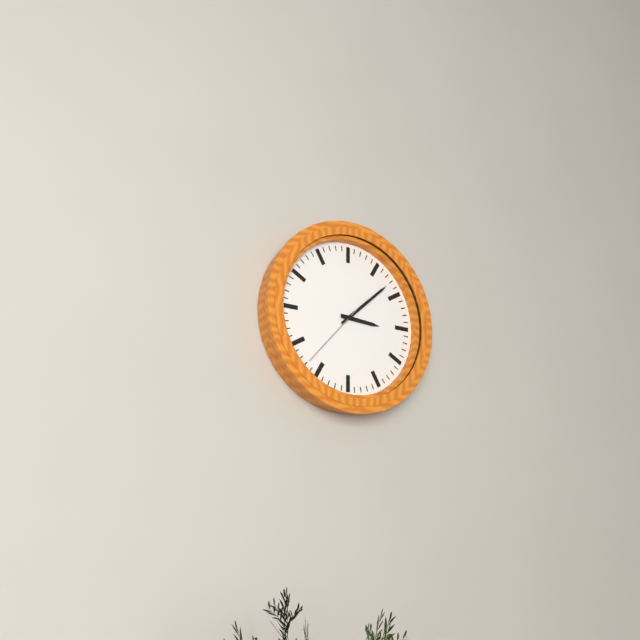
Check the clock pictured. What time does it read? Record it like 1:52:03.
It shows 3:08:37
